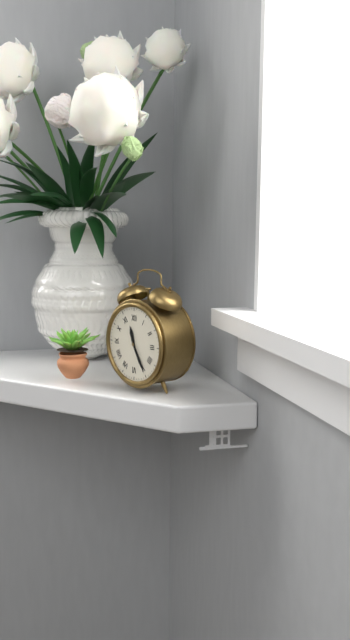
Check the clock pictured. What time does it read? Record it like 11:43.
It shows 11:25
